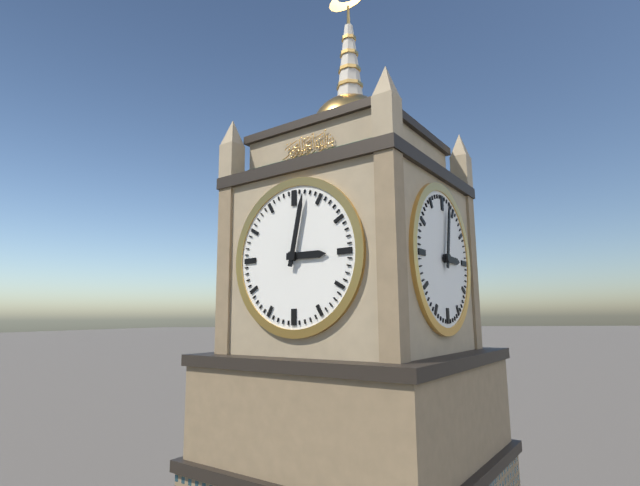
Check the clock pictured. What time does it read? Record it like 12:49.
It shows 3:02
